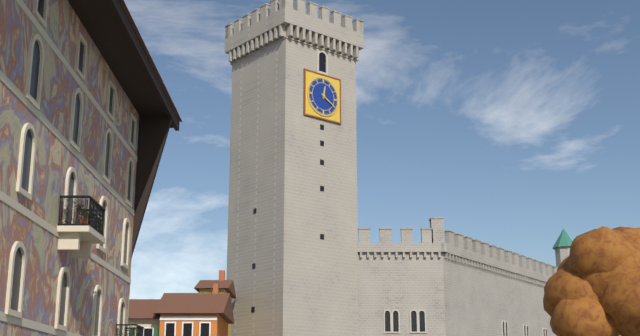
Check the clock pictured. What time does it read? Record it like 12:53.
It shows 12:20
